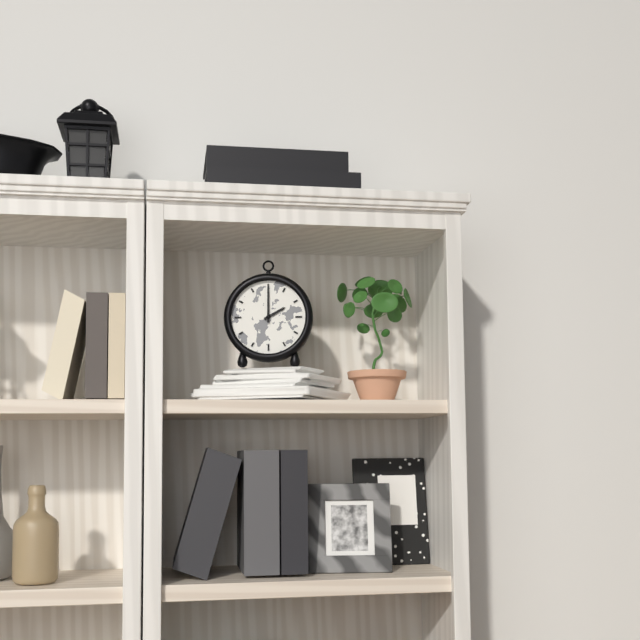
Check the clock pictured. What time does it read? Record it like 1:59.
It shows 2:00
